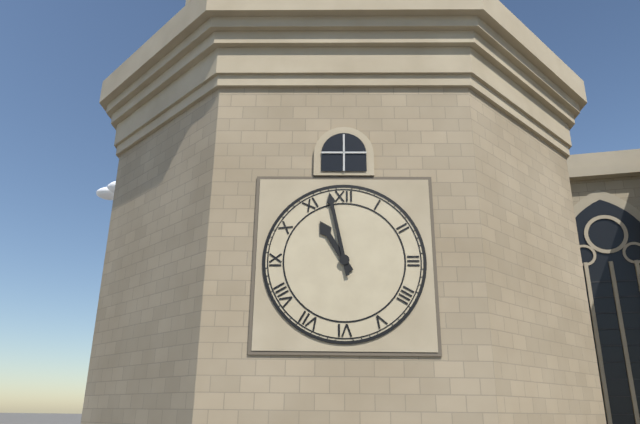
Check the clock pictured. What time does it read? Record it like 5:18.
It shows 10:58
